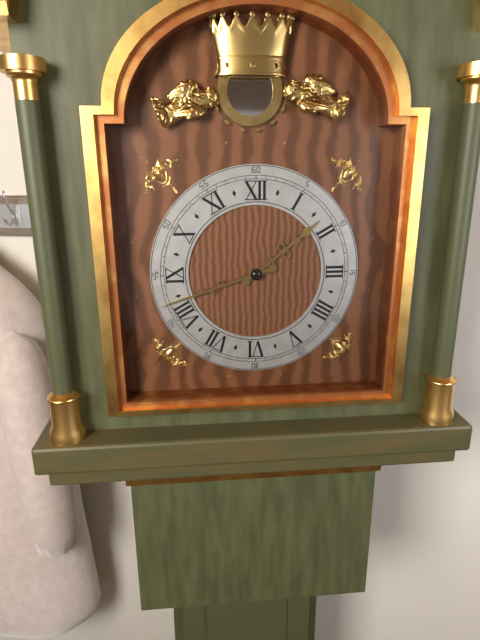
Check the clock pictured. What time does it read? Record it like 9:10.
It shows 1:42
